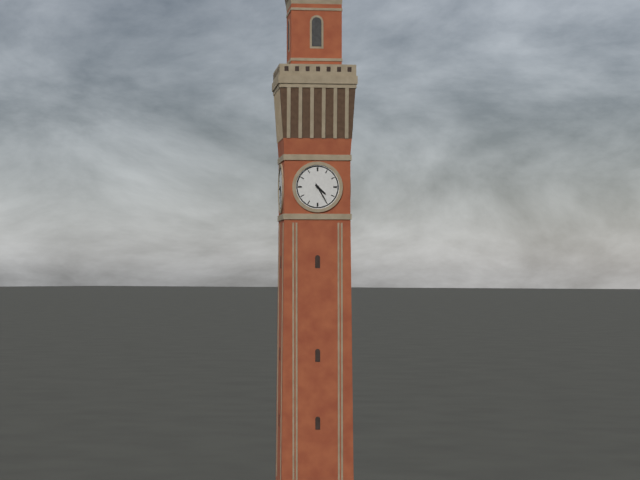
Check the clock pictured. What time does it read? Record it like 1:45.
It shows 4:25
